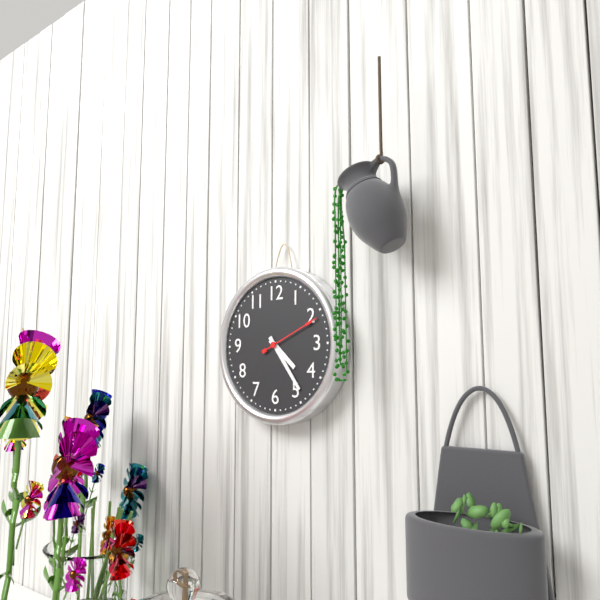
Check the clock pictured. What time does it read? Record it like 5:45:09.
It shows 4:24:11
